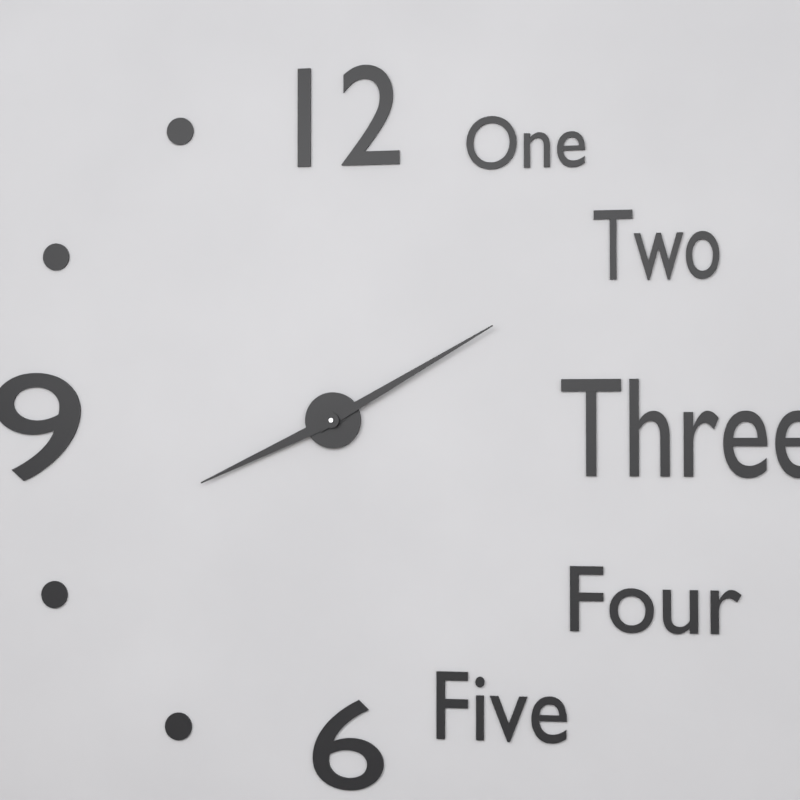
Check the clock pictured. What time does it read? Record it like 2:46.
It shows 8:10
